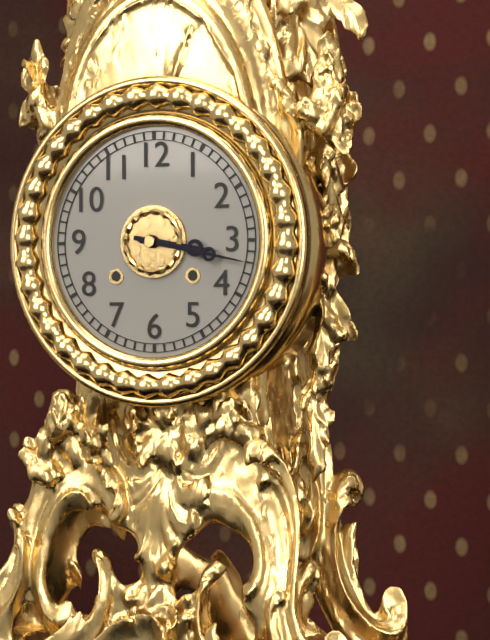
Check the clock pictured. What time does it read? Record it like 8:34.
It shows 3:17
